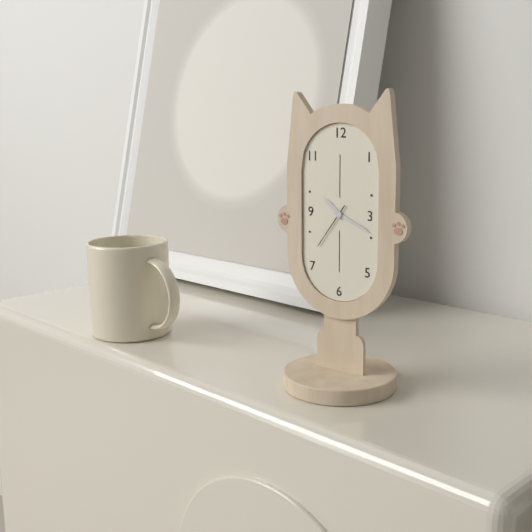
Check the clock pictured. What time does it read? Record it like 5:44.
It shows 10:19
